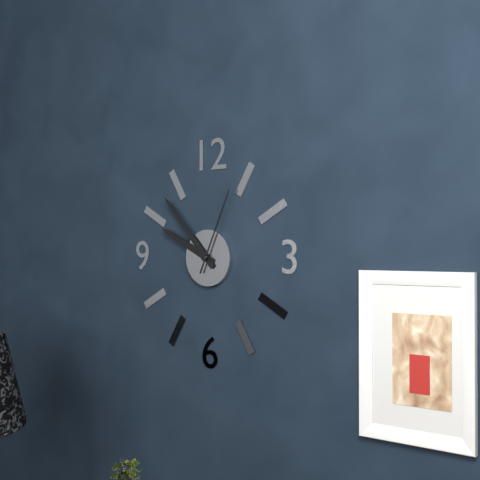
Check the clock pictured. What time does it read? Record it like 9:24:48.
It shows 9:53:04
